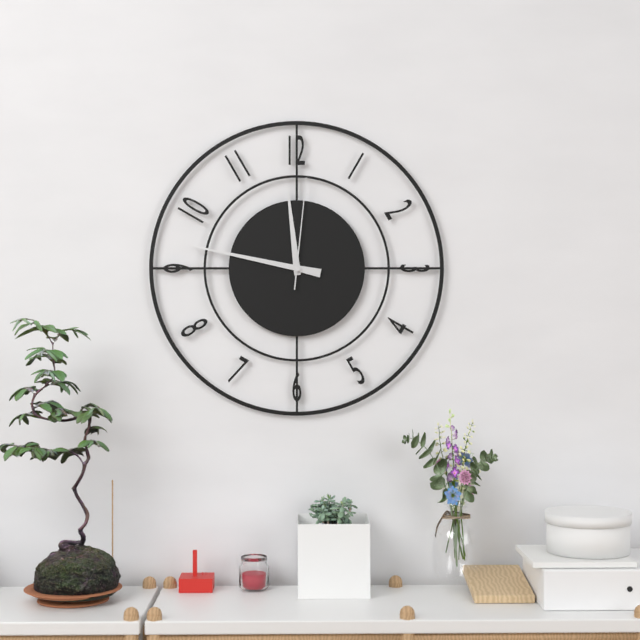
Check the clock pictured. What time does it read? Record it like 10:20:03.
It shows 11:47:01
